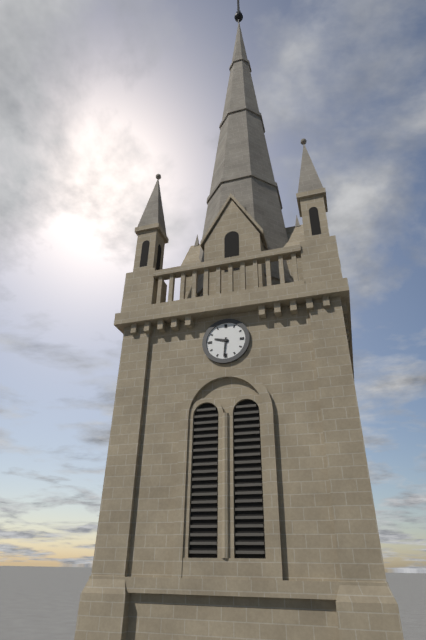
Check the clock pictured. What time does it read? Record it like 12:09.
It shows 9:31
